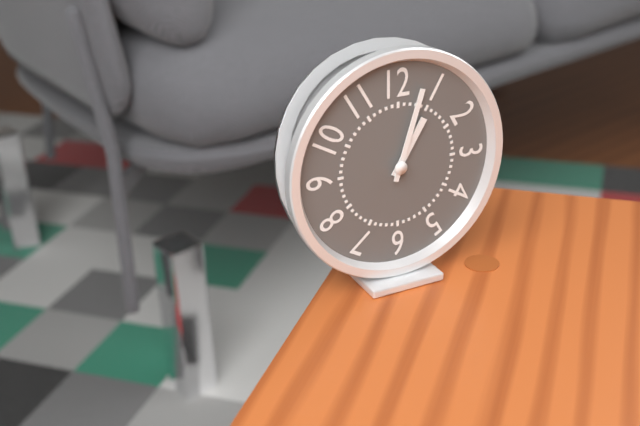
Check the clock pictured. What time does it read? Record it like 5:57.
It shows 1:03
